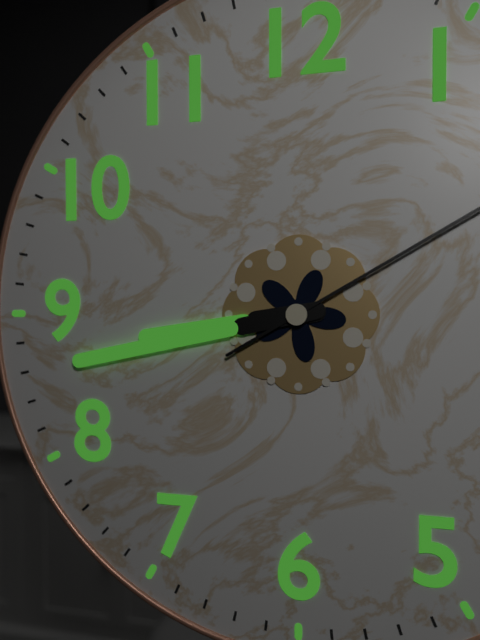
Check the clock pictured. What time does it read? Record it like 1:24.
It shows 8:43
